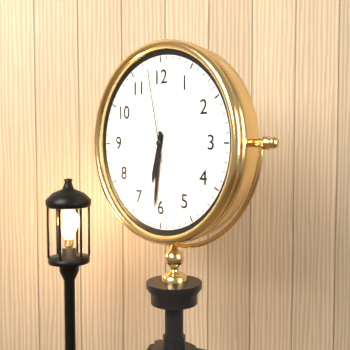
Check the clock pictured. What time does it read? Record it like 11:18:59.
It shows 6:31:58
